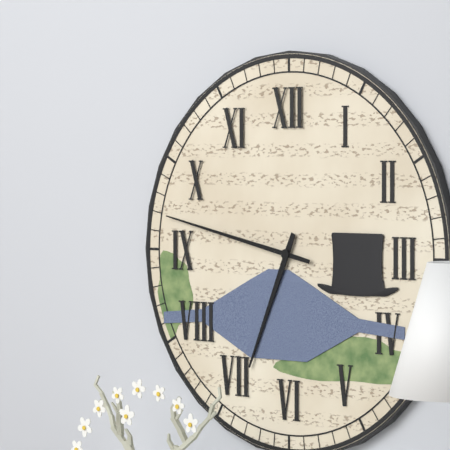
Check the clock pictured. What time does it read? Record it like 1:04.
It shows 6:47
